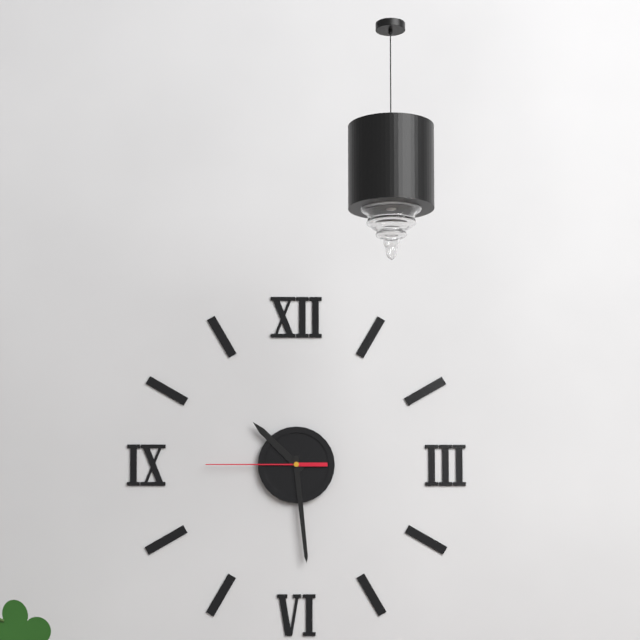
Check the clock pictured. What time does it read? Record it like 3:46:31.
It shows 10:29:45
